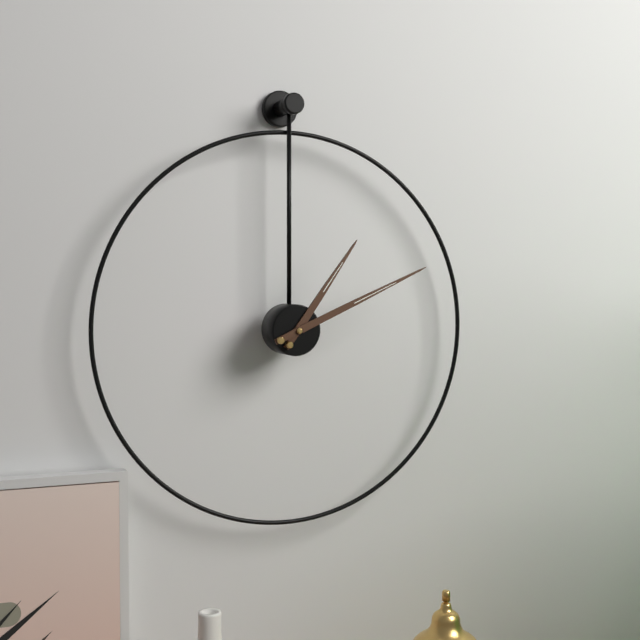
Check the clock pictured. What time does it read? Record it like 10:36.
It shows 1:11
